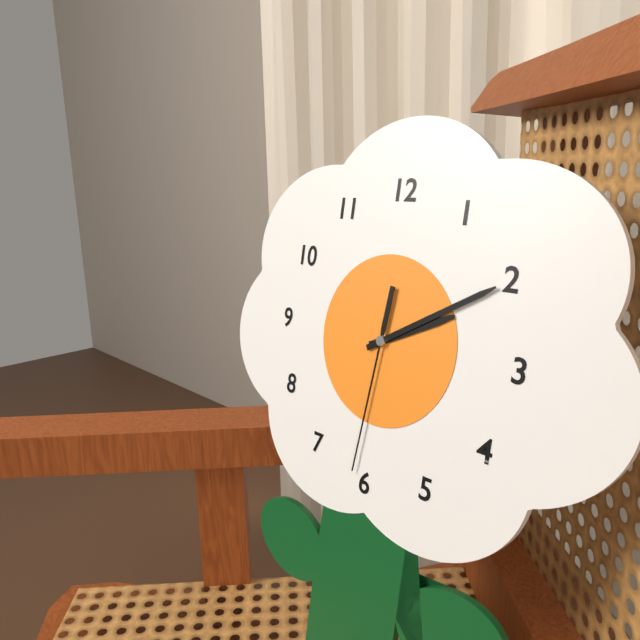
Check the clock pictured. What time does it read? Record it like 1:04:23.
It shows 2:10:31
